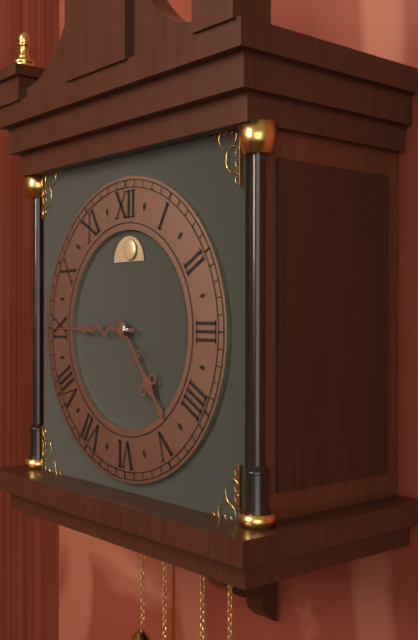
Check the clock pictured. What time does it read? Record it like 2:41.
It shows 4:45
